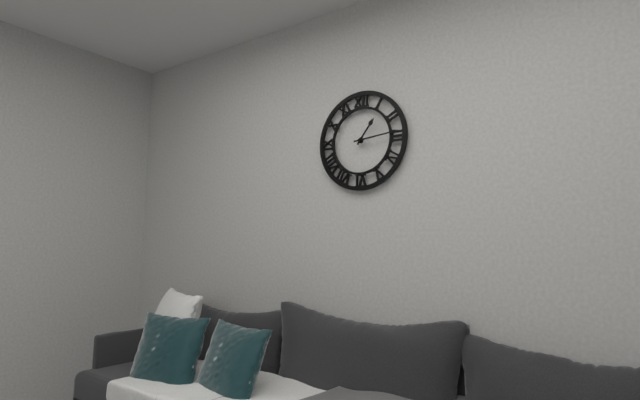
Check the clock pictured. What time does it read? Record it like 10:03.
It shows 1:14
